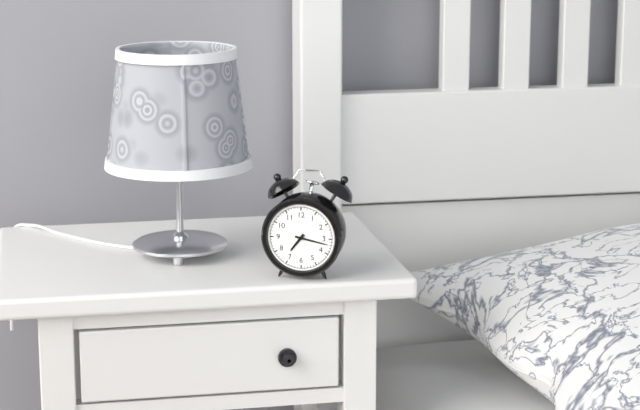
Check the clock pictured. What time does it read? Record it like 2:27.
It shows 7:17
